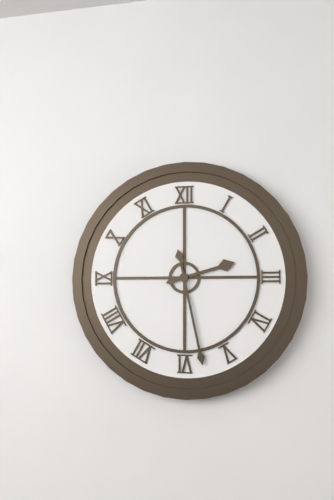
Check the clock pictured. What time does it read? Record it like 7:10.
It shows 2:28
